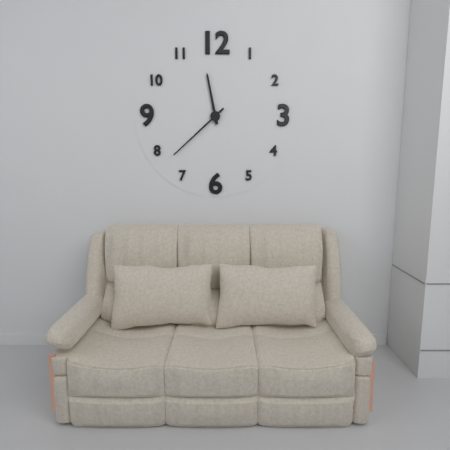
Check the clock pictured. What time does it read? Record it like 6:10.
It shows 11:38
